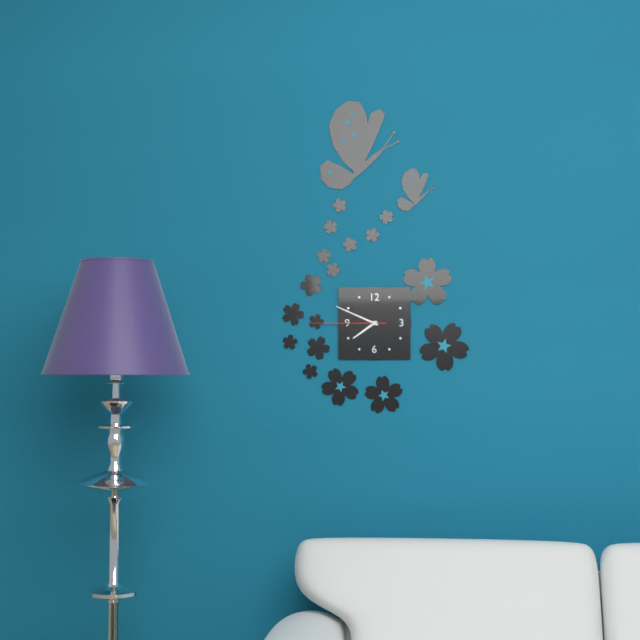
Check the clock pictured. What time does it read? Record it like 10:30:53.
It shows 7:49:45
